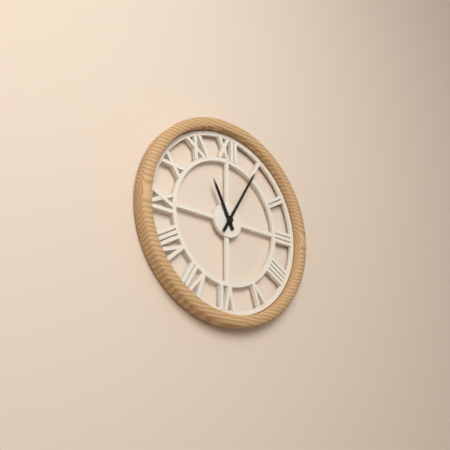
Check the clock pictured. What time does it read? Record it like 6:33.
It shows 11:05
